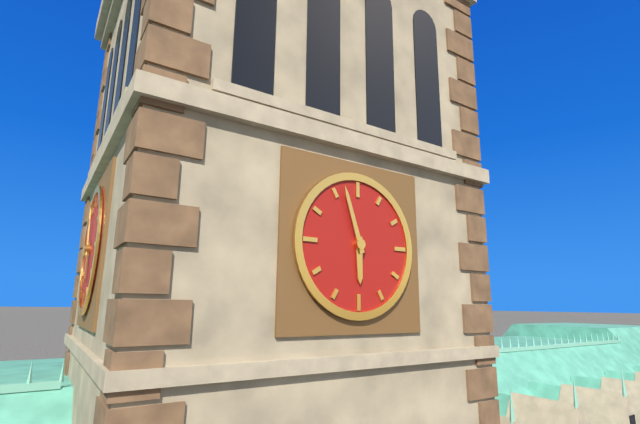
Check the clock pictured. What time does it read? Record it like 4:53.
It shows 5:57
